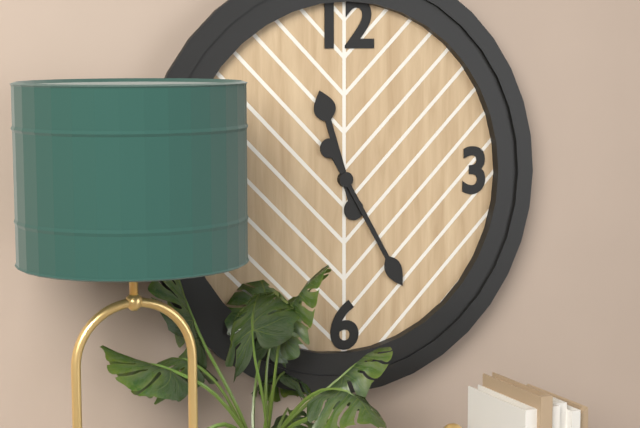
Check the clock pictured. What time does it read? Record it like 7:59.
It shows 11:25
